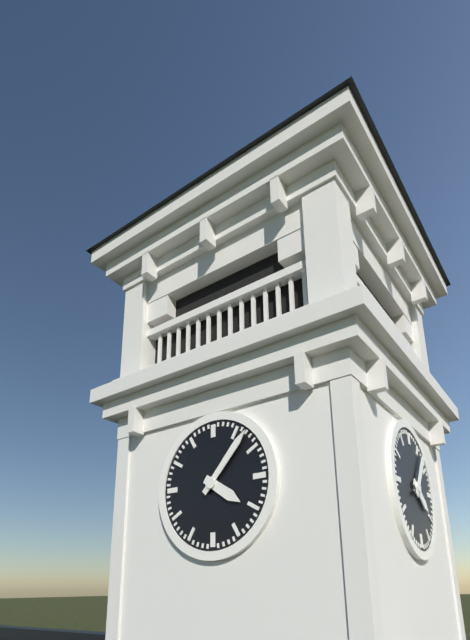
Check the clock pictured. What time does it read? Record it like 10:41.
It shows 4:07
